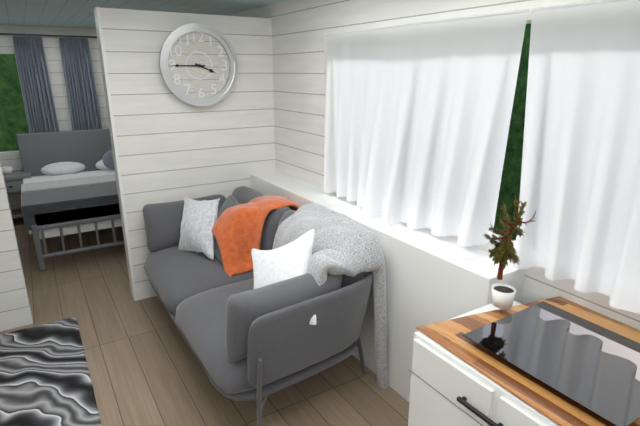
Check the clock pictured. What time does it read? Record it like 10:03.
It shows 3:45
